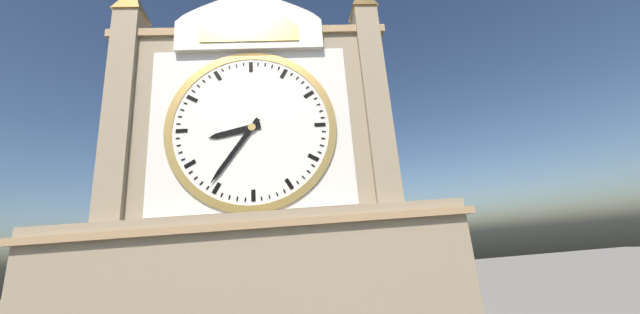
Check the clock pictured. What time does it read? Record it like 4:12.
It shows 8:36
